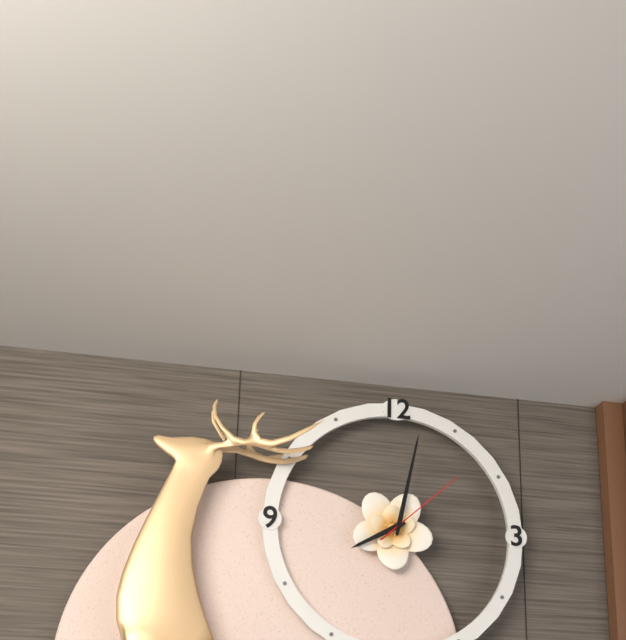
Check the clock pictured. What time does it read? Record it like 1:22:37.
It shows 8:02:08
